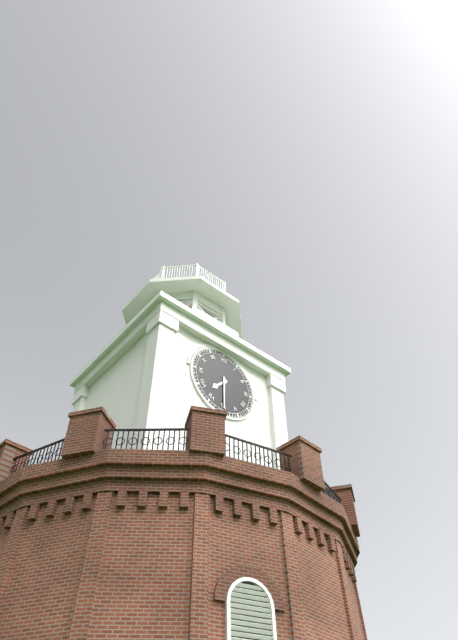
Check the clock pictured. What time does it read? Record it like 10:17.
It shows 7:30
